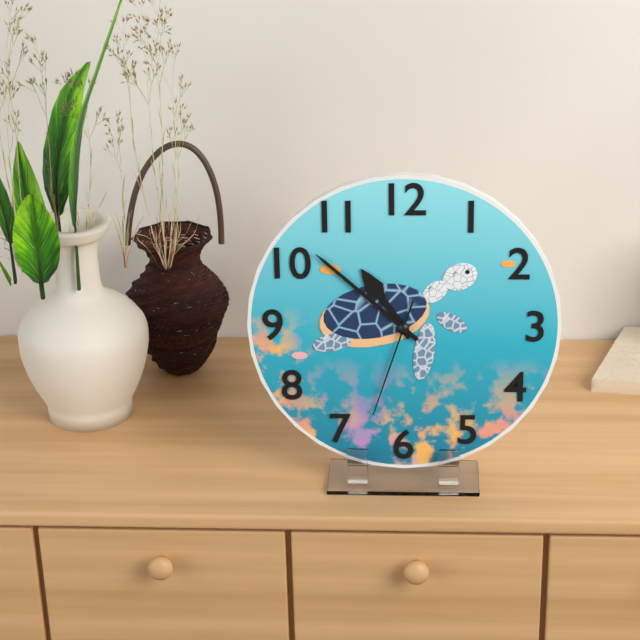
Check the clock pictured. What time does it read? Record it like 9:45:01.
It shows 10:52:33
